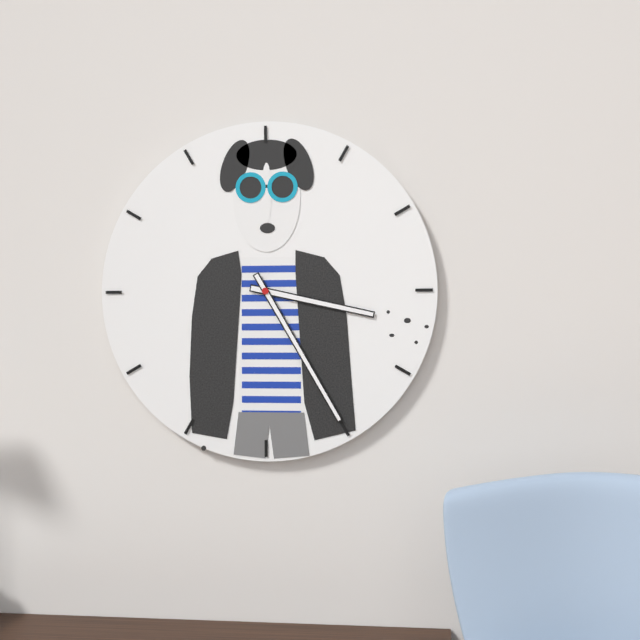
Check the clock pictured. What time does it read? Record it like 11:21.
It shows 3:25
